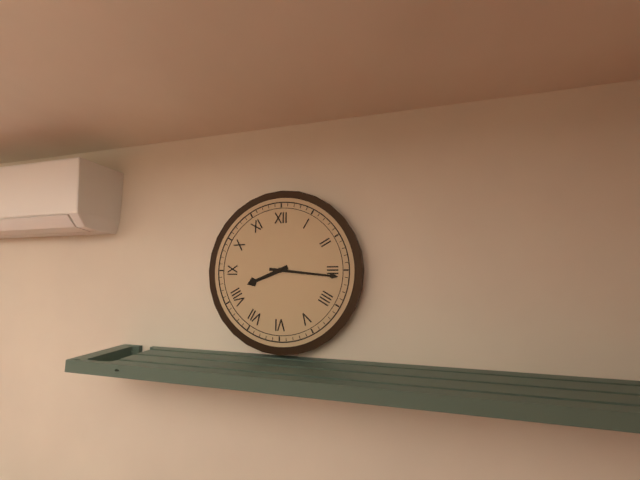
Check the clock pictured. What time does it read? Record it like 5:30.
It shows 8:16
